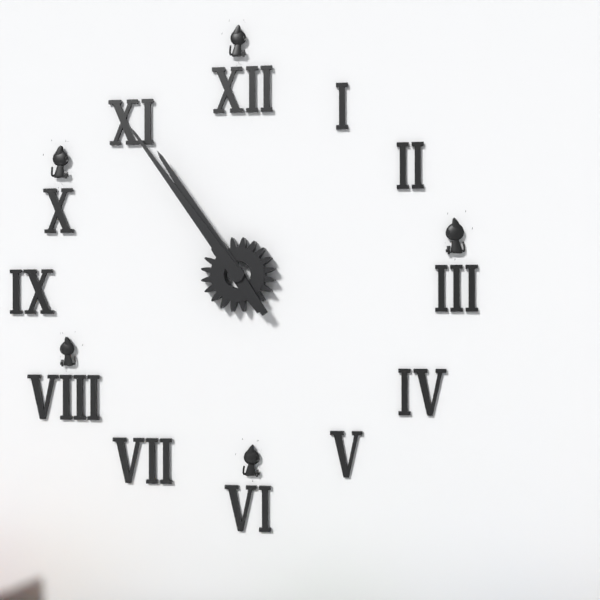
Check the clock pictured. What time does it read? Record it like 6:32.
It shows 10:54
